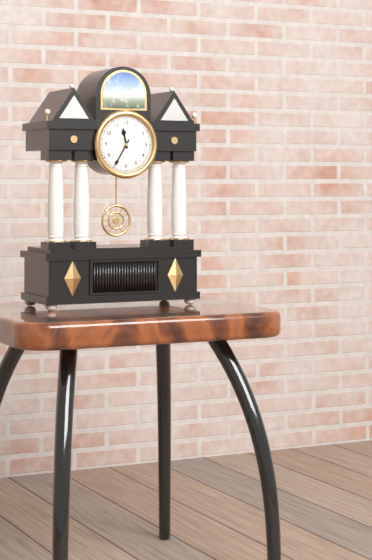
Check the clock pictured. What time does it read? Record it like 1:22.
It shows 11:35
